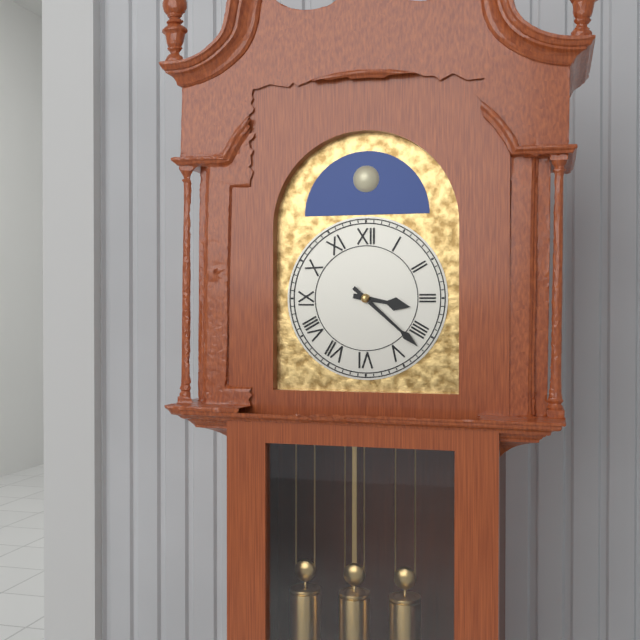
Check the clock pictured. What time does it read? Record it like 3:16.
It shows 3:22
